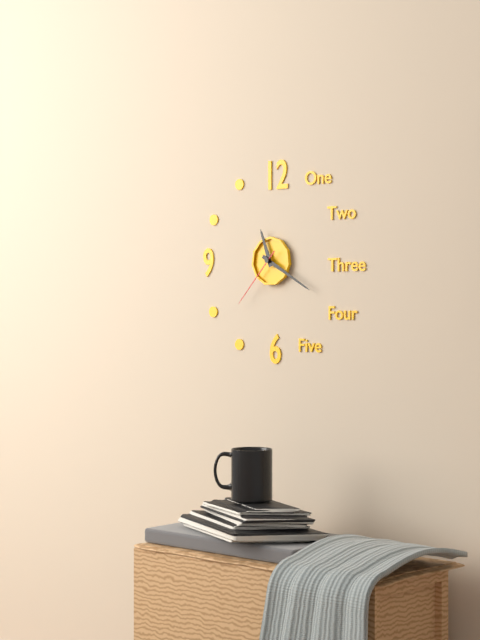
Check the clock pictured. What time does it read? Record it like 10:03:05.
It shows 11:20:37
